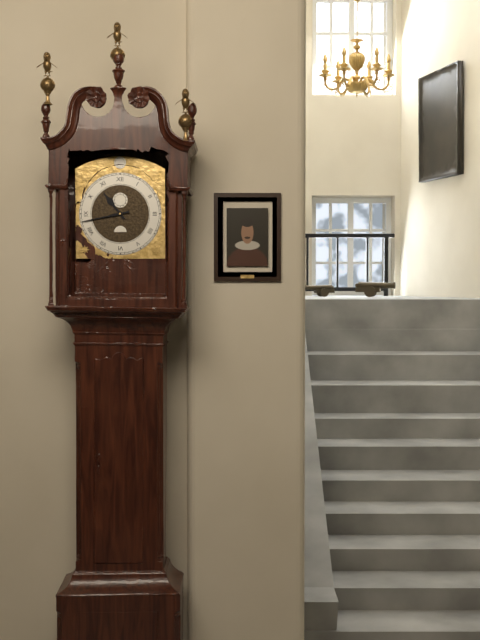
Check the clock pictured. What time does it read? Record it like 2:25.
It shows 10:43
